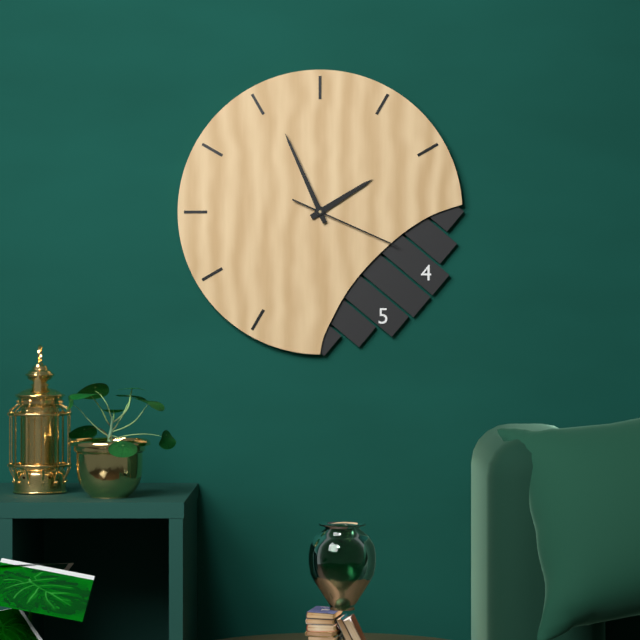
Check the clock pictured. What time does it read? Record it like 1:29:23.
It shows 1:56:19
